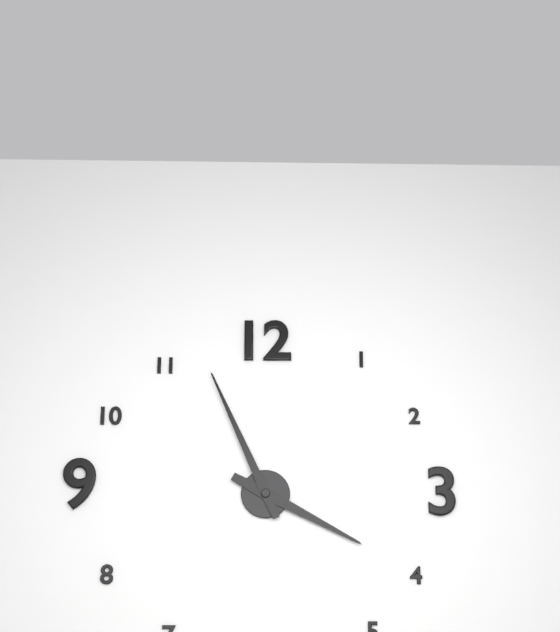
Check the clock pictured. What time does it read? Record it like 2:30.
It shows 3:56
